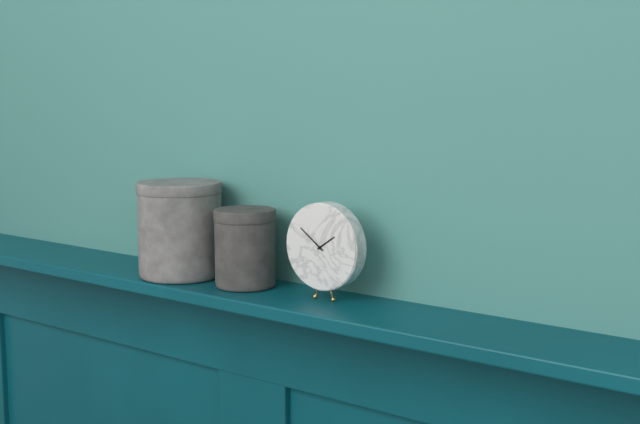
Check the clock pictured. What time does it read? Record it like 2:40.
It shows 1:51
